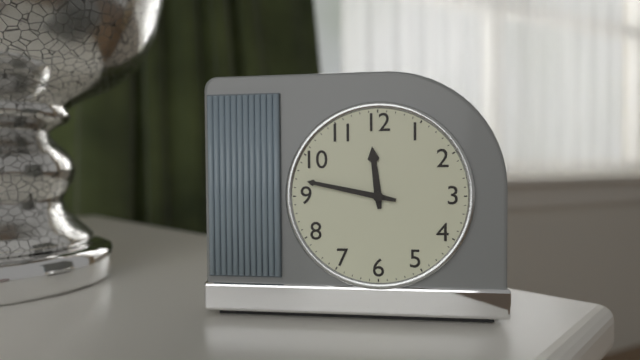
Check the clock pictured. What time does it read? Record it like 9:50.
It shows 11:47
